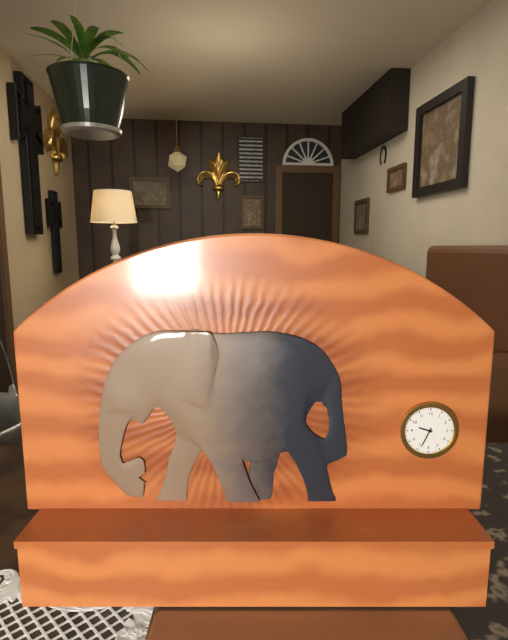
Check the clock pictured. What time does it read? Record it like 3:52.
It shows 9:34
